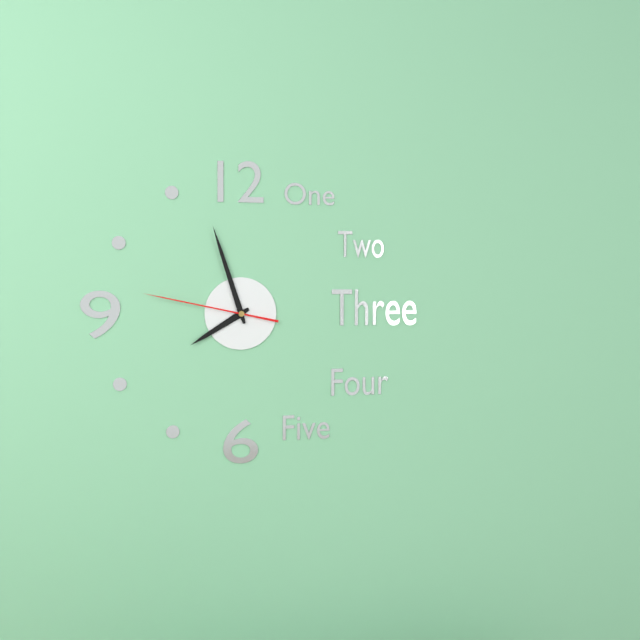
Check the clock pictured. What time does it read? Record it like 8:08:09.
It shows 7:57:47
